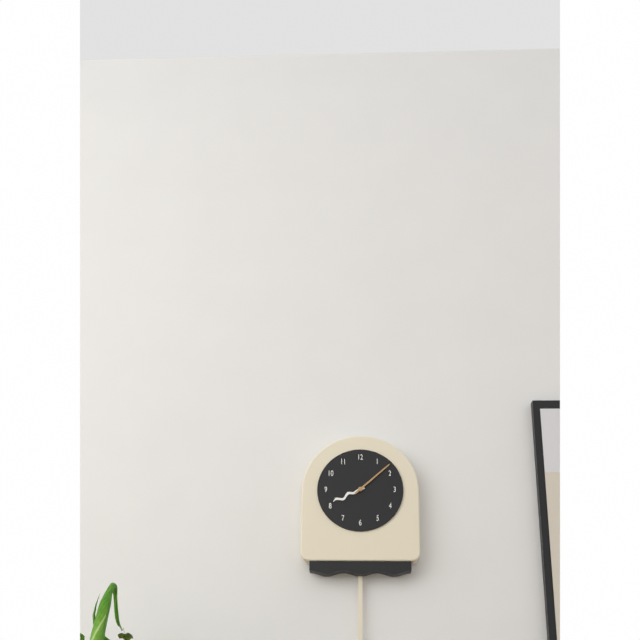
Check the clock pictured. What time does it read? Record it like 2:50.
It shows 8:08
